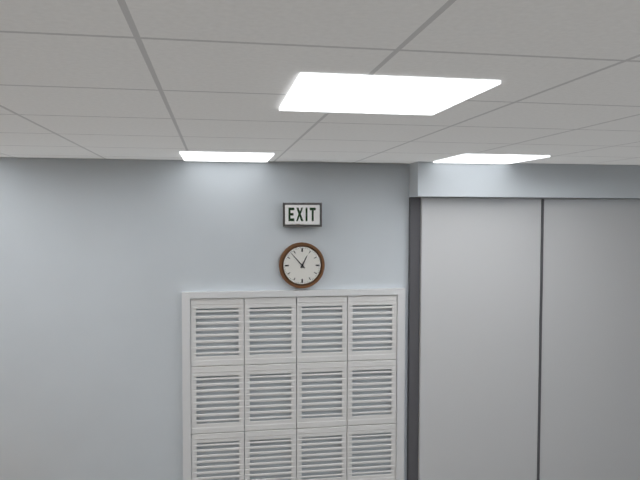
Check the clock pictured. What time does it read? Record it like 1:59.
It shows 12:53
